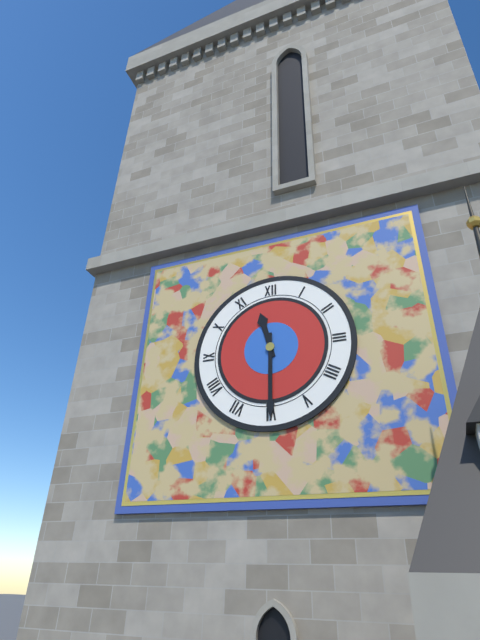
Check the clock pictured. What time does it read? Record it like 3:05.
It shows 11:30
